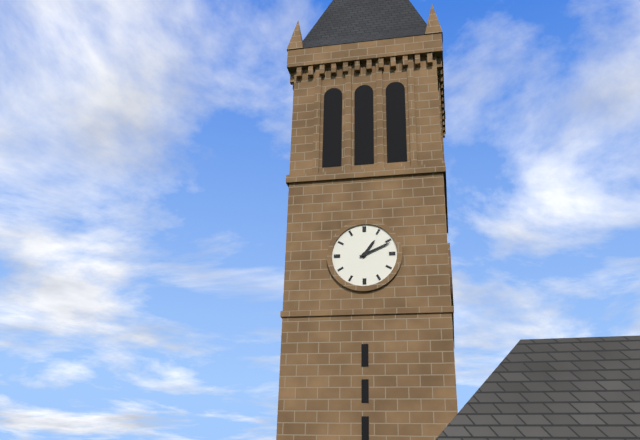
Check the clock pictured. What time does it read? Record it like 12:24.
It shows 1:11
